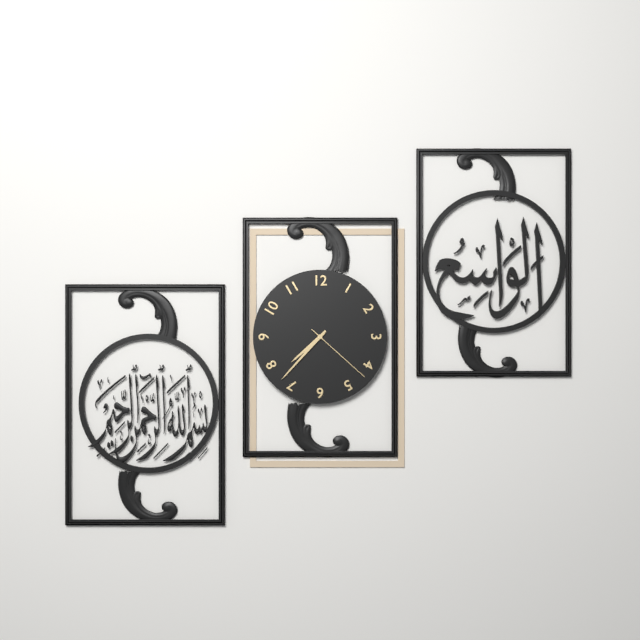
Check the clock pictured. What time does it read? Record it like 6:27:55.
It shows 7:37:22
